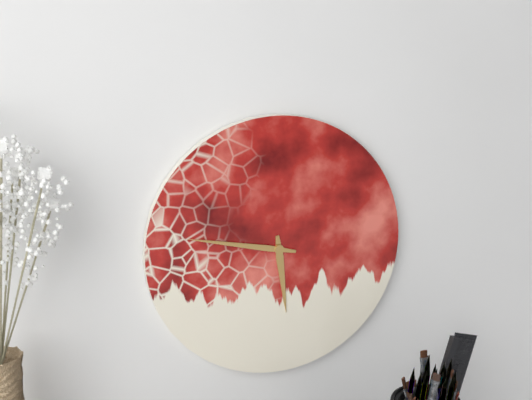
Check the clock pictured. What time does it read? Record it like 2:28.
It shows 5:47
